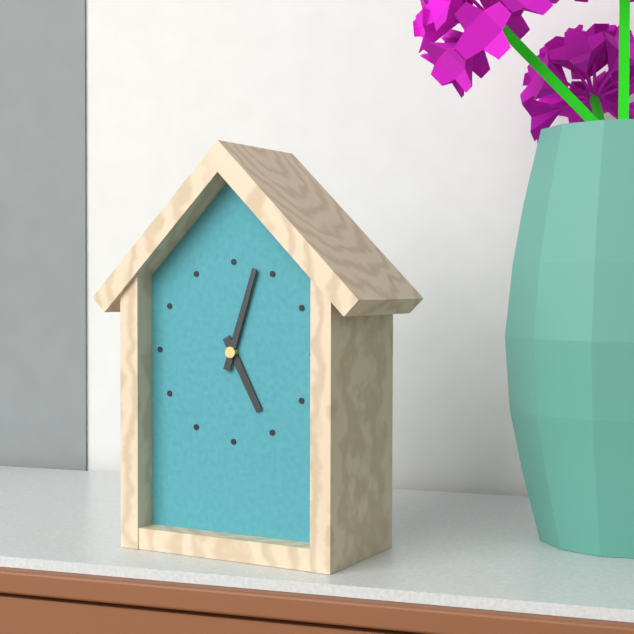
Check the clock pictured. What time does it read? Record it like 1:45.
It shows 5:03
